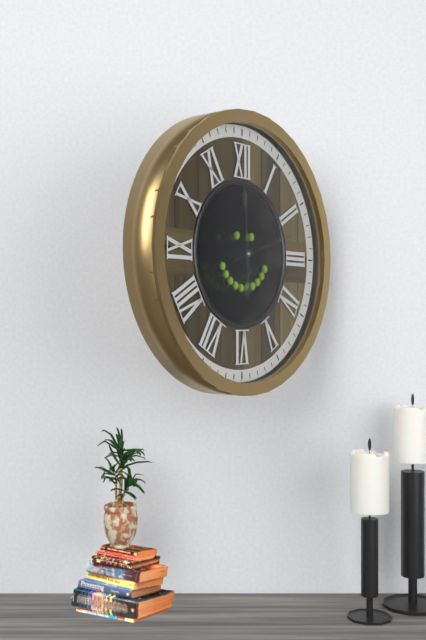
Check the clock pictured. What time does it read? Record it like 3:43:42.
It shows 5:59:12
